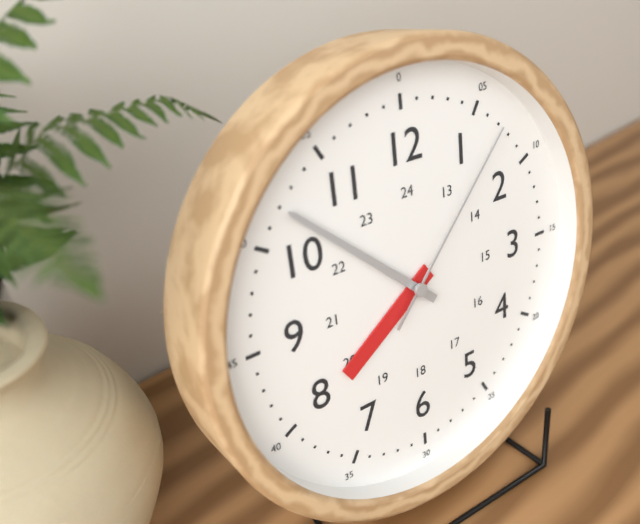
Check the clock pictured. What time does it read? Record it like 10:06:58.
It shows 7:52:07
